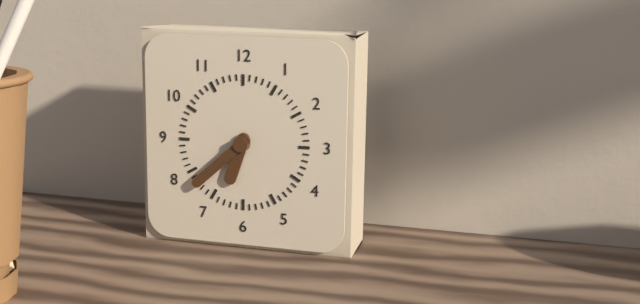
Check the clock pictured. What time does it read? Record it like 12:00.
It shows 6:38
